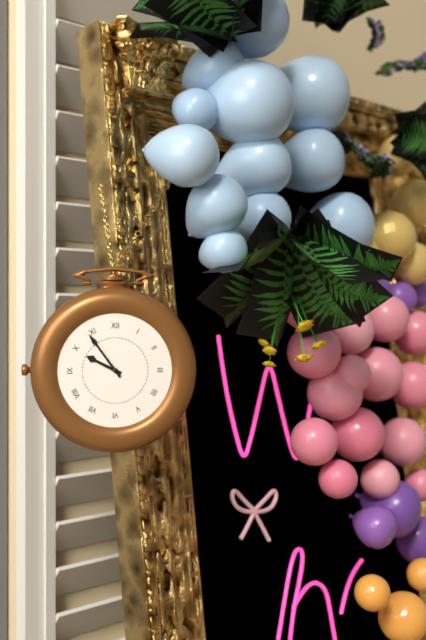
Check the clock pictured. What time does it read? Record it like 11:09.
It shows 9:54
